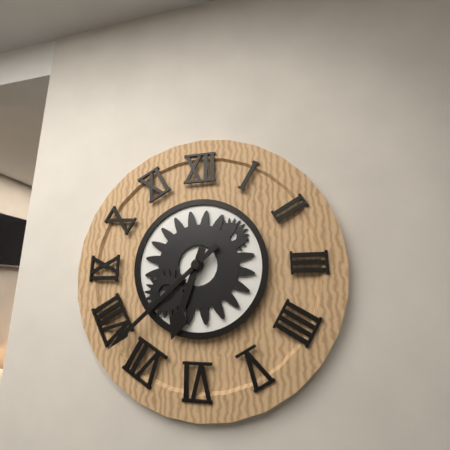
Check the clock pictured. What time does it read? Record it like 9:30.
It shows 6:38
